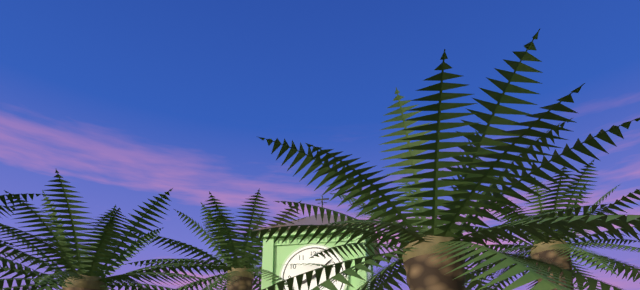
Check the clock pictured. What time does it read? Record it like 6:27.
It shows 8:08
